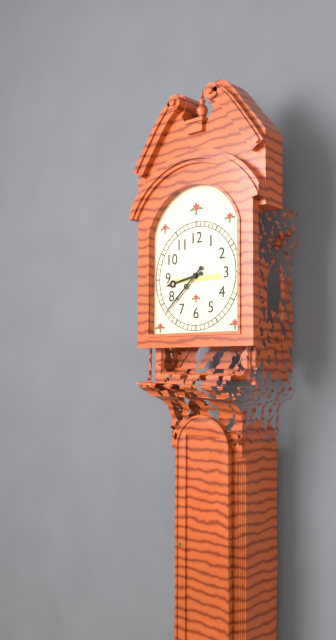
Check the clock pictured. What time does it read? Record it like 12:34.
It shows 8:38
